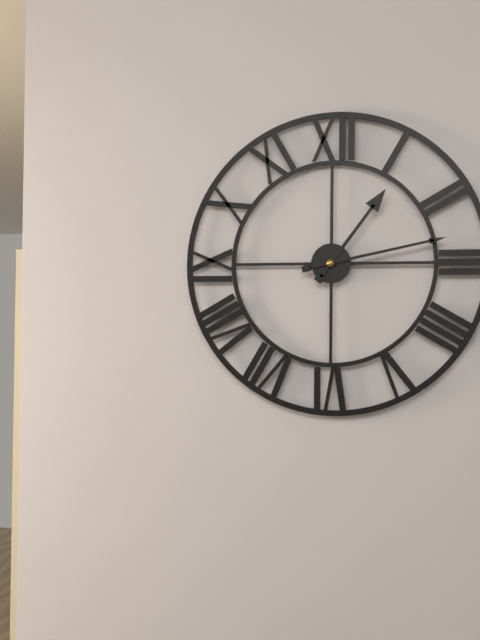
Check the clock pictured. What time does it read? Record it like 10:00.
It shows 1:13
